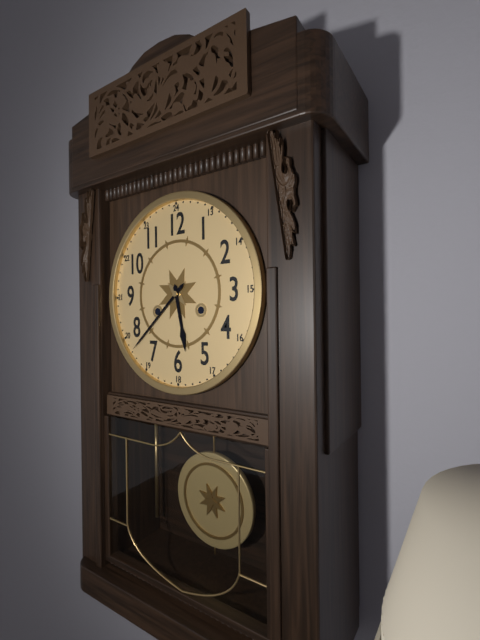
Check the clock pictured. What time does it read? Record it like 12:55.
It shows 5:38
